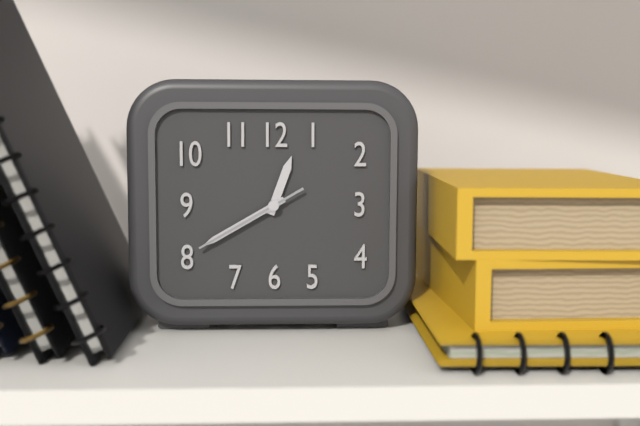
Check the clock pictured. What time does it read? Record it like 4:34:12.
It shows 12:40:40
